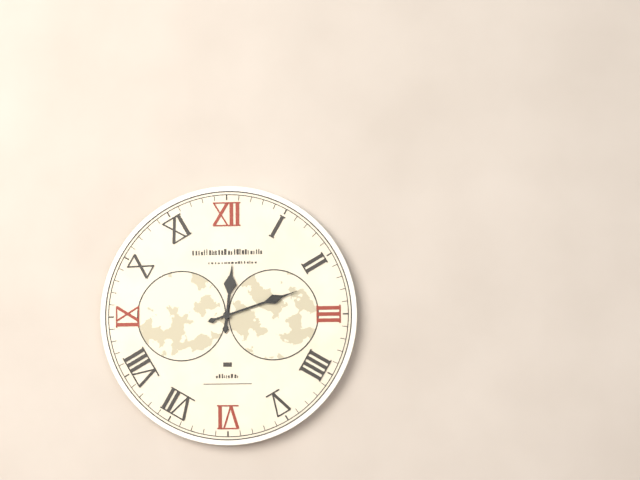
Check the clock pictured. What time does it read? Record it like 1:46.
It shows 12:12
